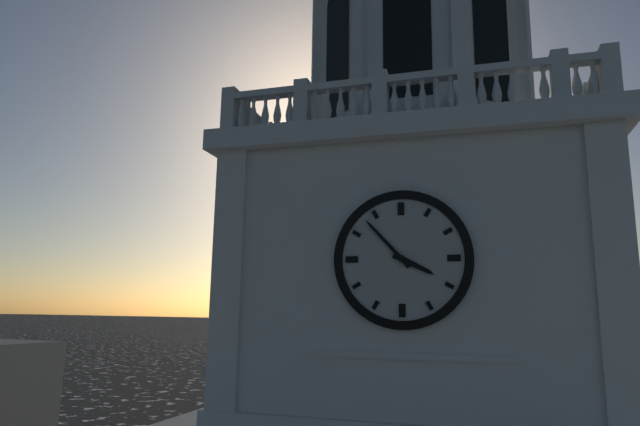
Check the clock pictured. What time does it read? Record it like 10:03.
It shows 3:53
